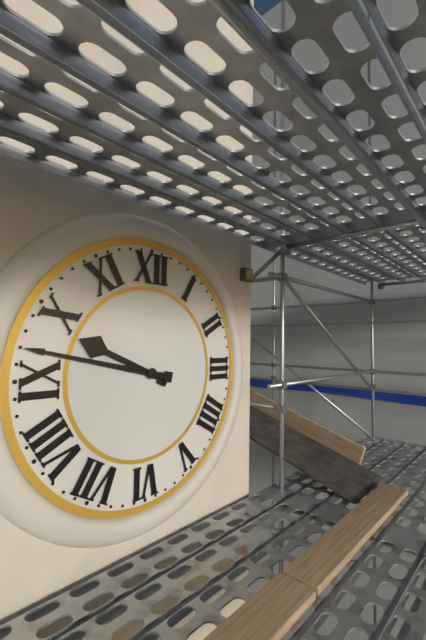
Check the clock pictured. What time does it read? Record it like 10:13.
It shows 9:47
